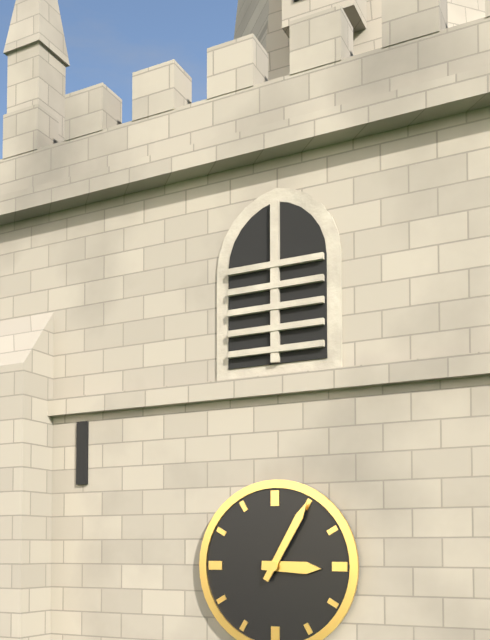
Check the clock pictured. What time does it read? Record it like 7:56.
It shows 3:05
